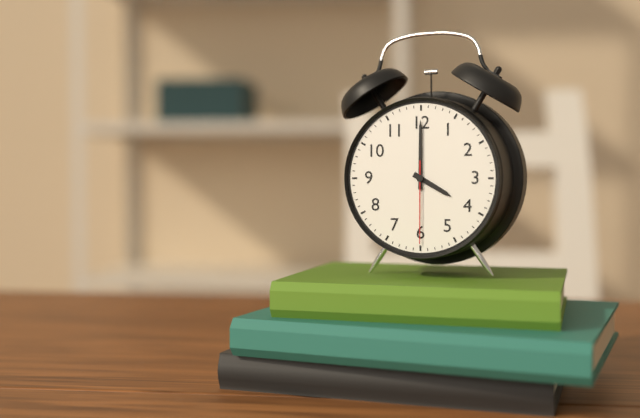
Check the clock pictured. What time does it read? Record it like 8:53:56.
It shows 4:00:30
